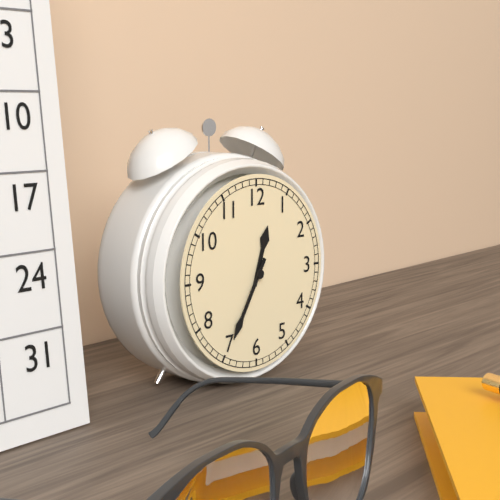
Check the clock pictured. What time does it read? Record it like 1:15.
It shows 12:35
